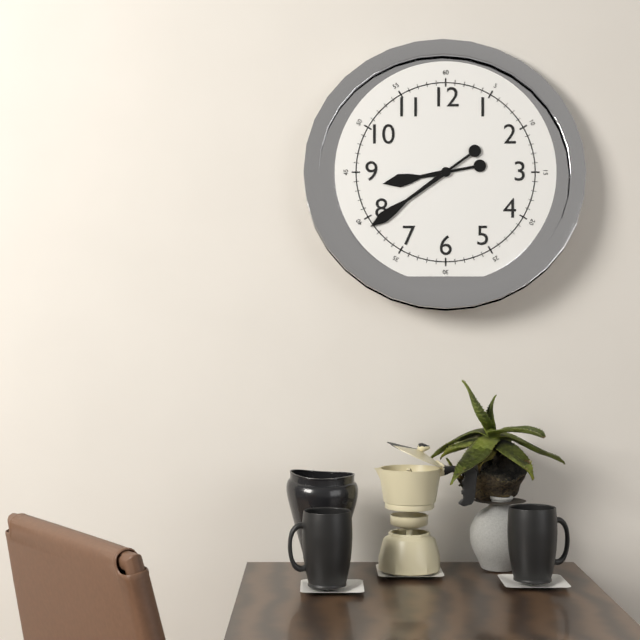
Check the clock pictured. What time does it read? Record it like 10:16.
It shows 8:39
